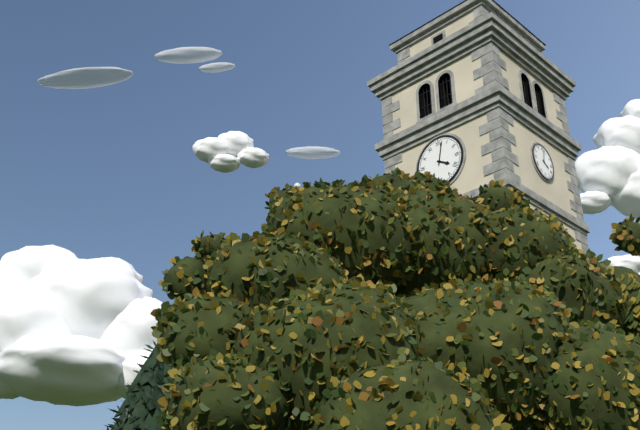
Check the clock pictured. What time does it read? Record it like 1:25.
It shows 4:02
